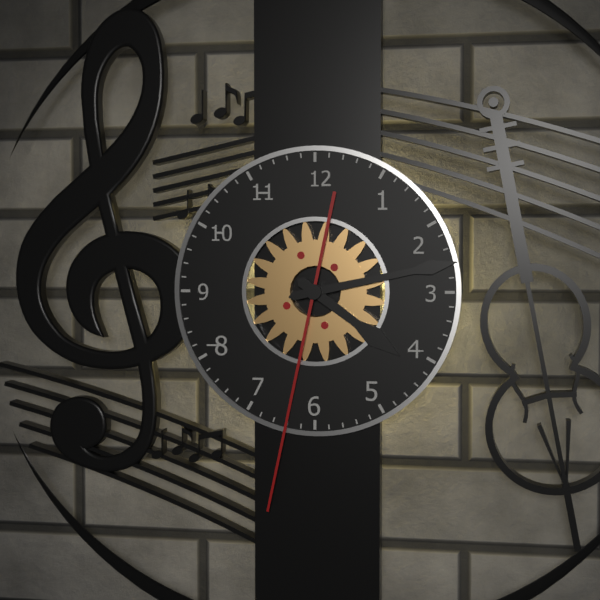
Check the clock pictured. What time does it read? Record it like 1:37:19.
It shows 4:13:32
